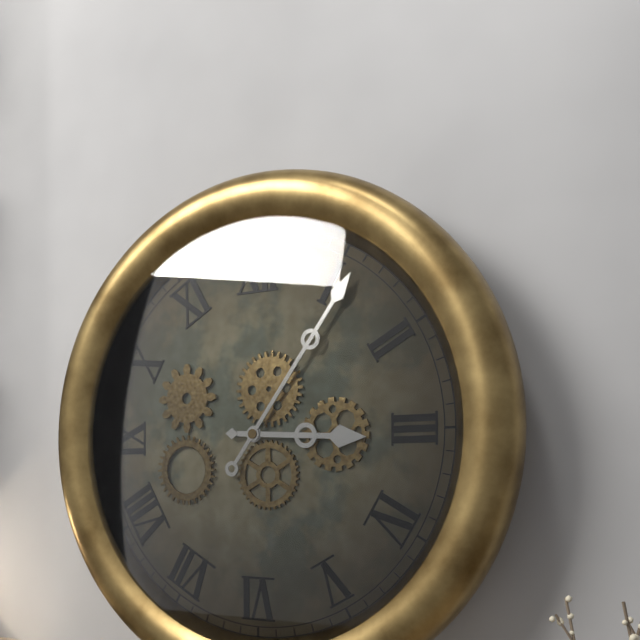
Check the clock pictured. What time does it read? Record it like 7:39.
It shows 3:06
